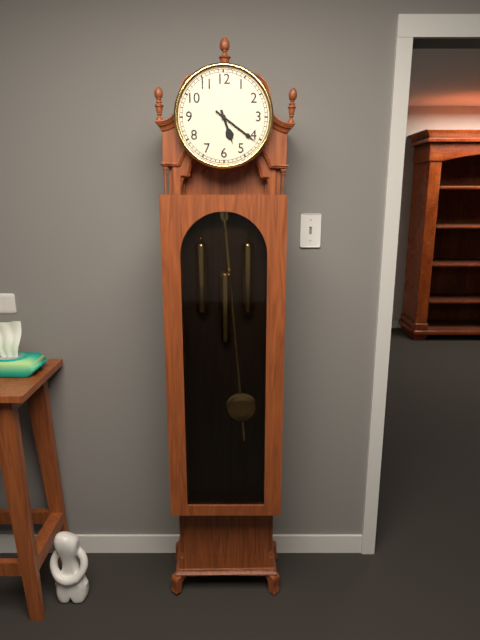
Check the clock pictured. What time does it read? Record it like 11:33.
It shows 5:21
